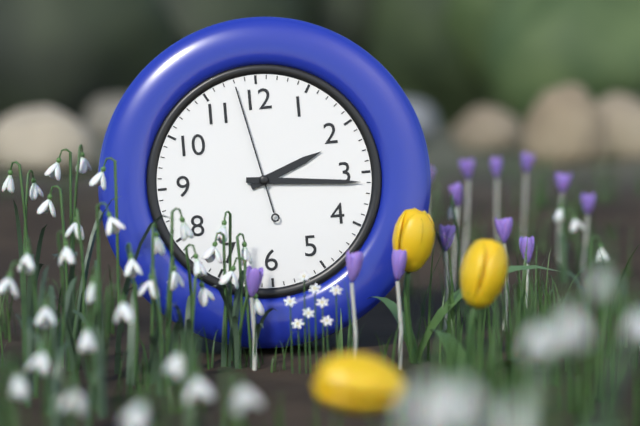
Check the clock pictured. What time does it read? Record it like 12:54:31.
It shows 2:16:58
